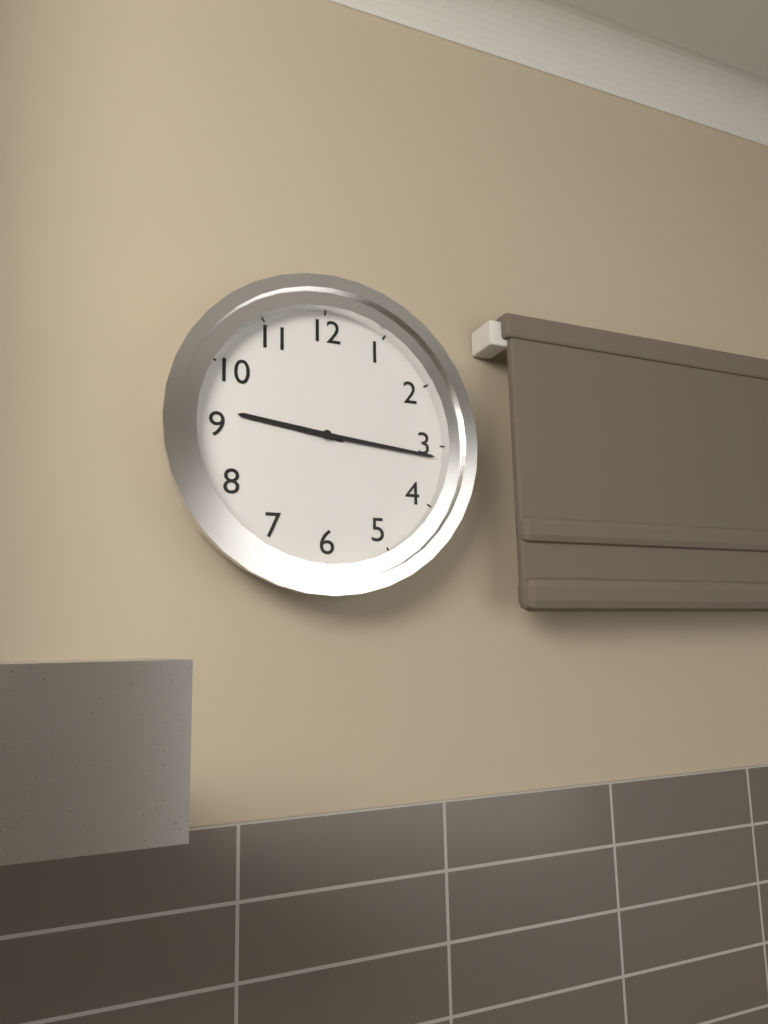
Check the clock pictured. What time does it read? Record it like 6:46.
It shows 9:16
